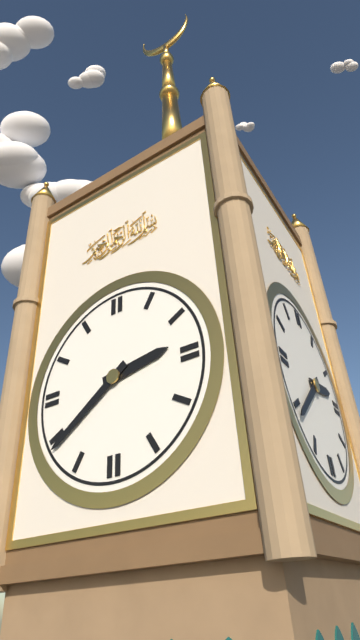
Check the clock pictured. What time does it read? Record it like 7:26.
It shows 2:39
